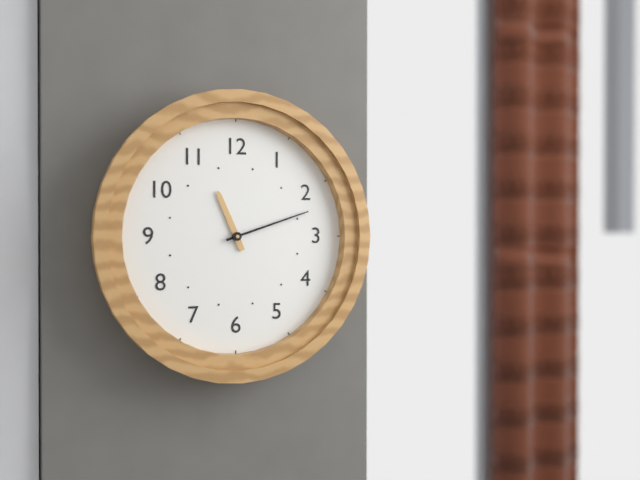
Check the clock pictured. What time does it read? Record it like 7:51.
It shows 11:12
